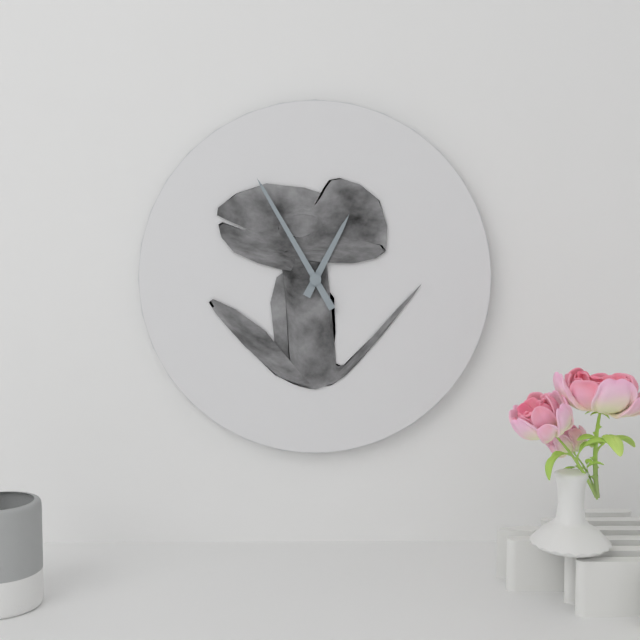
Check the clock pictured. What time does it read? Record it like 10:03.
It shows 12:55
